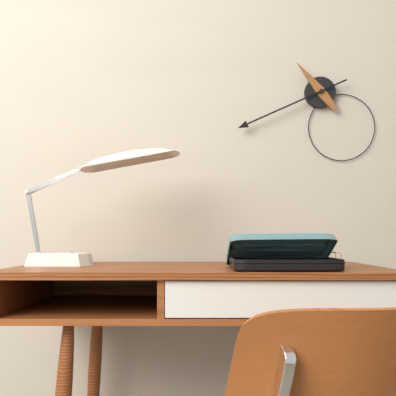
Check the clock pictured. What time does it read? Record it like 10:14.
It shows 10:41
